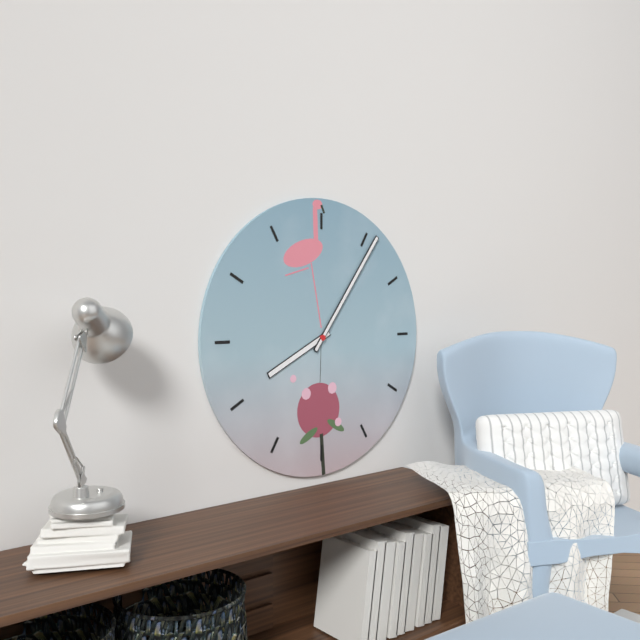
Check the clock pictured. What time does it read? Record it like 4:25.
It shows 8:06
